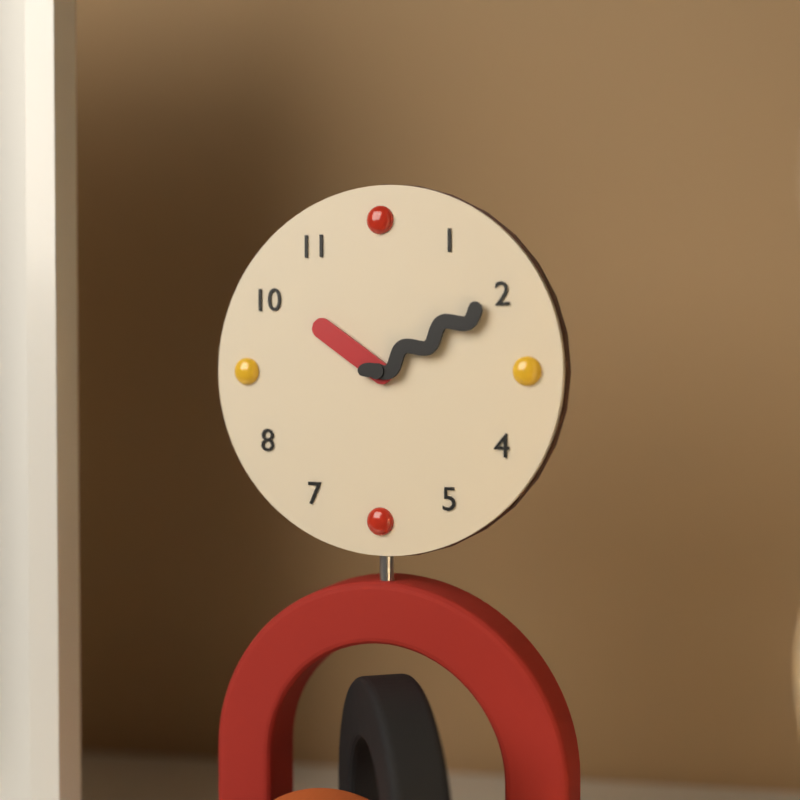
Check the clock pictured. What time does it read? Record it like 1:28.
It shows 10:10
